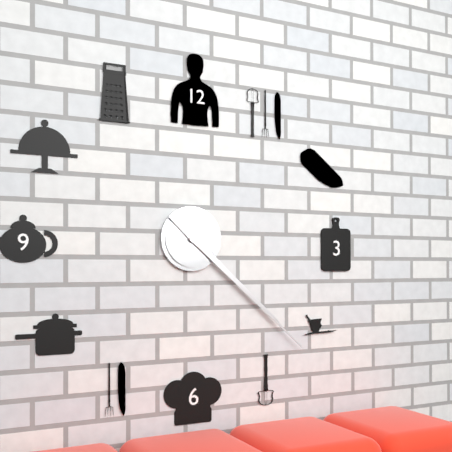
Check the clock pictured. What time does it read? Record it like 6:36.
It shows 4:22
